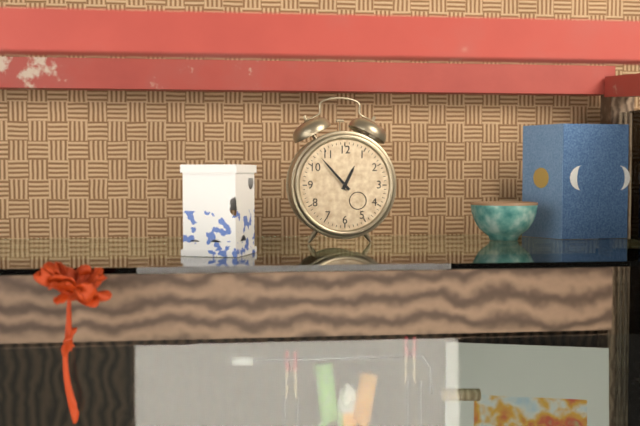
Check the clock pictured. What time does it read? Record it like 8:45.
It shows 12:53
